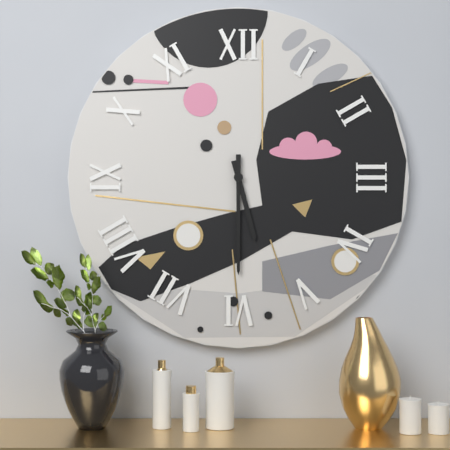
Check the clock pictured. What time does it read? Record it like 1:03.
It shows 5:30
